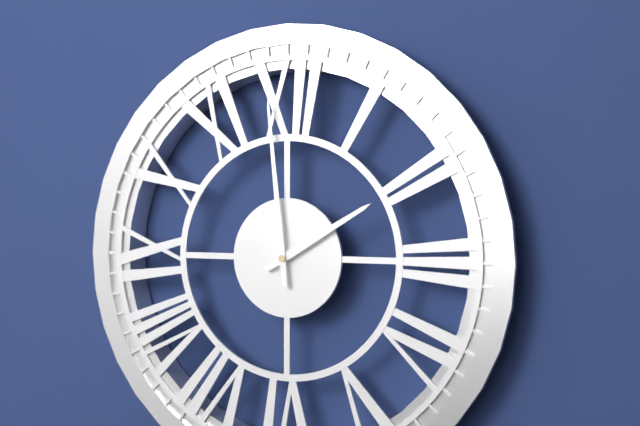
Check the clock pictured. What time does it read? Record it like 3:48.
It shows 1:59
